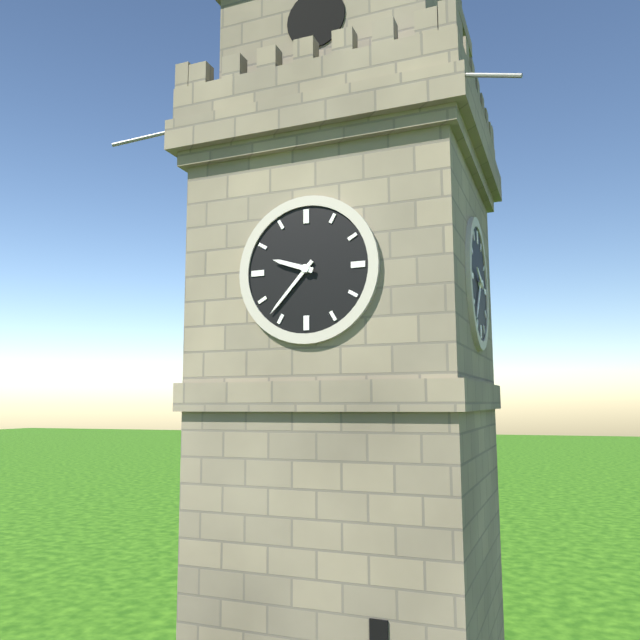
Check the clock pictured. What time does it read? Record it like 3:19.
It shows 9:37
